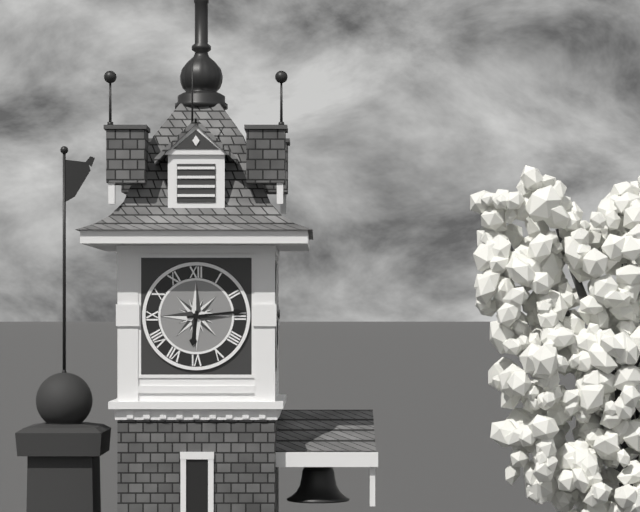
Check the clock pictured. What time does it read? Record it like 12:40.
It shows 6:14
